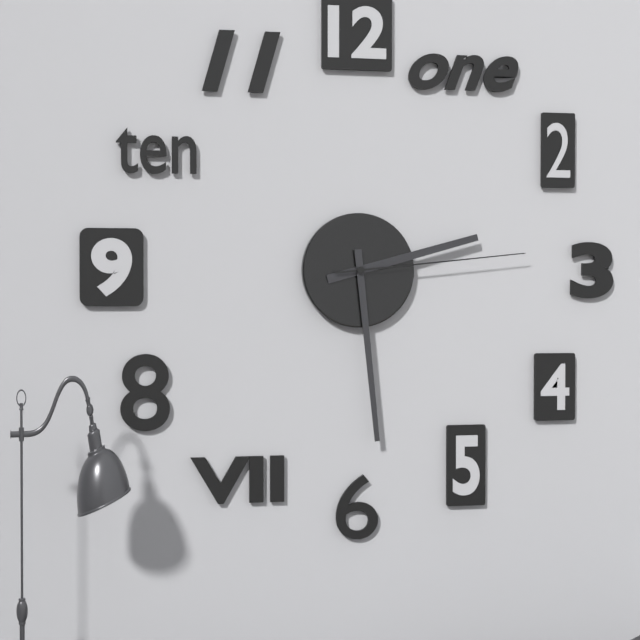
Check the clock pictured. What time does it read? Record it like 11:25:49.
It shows 2:29:14
